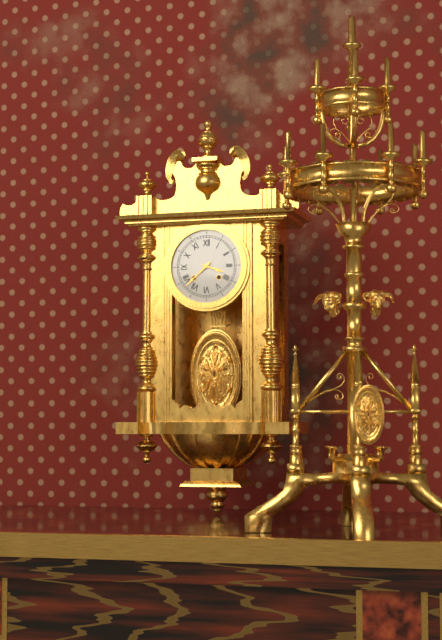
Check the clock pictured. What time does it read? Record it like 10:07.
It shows 3:38
